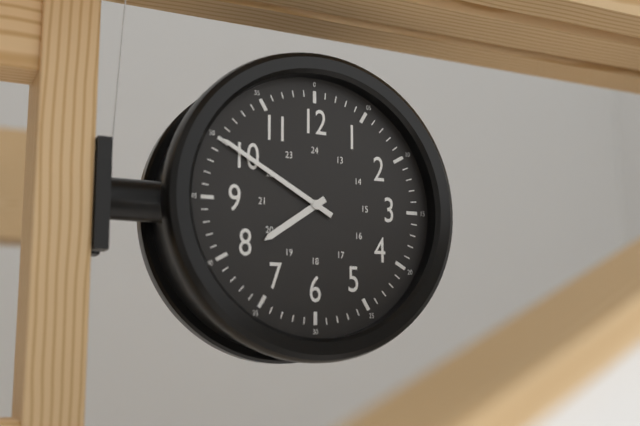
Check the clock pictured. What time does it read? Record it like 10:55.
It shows 7:50
